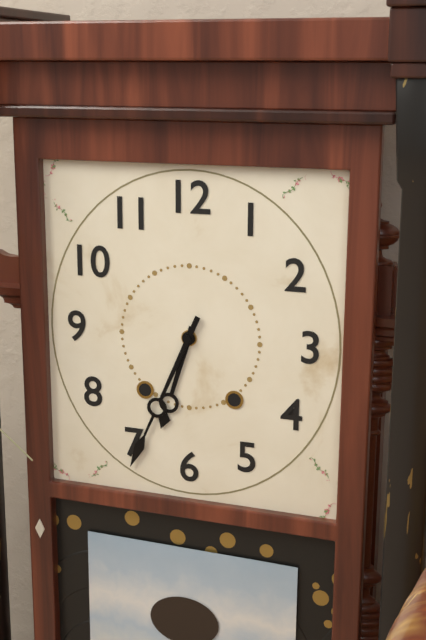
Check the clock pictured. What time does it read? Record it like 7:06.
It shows 6:34
